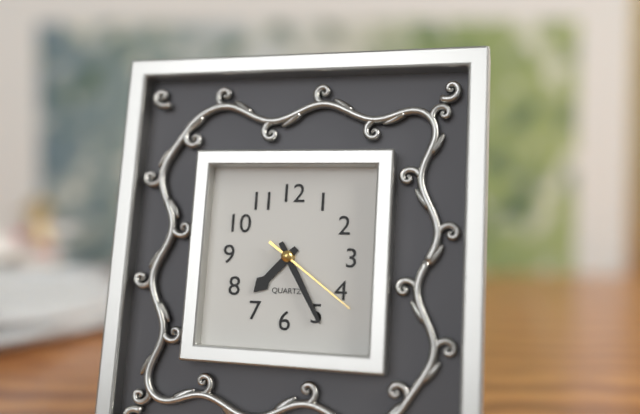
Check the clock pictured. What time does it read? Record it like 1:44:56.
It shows 7:25:21
